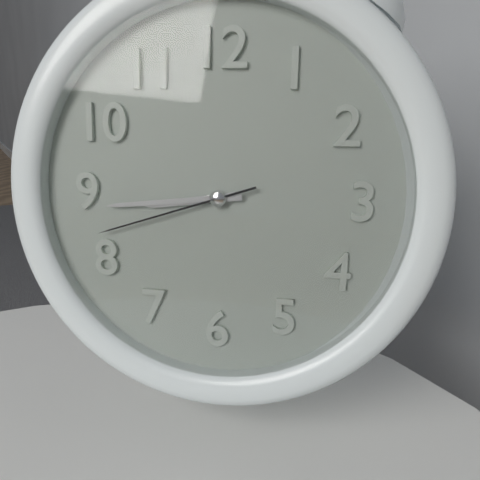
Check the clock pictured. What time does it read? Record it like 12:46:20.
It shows 8:44:42
